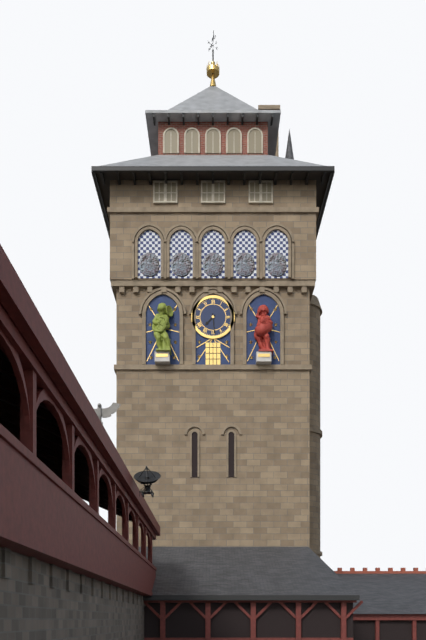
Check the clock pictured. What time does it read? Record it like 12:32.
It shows 7:29
